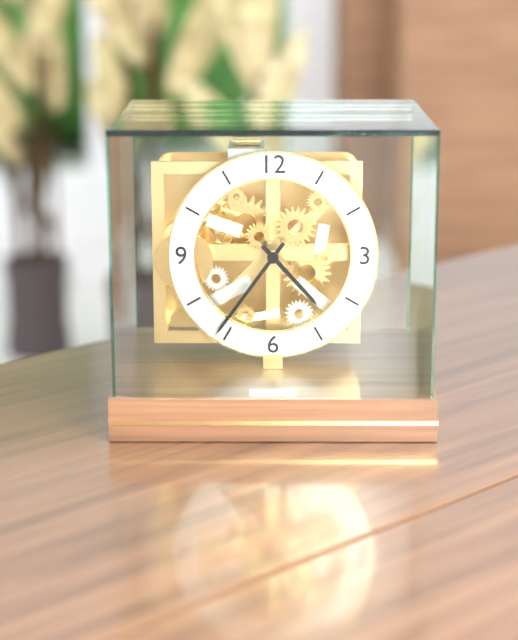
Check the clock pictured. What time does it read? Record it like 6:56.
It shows 4:36
